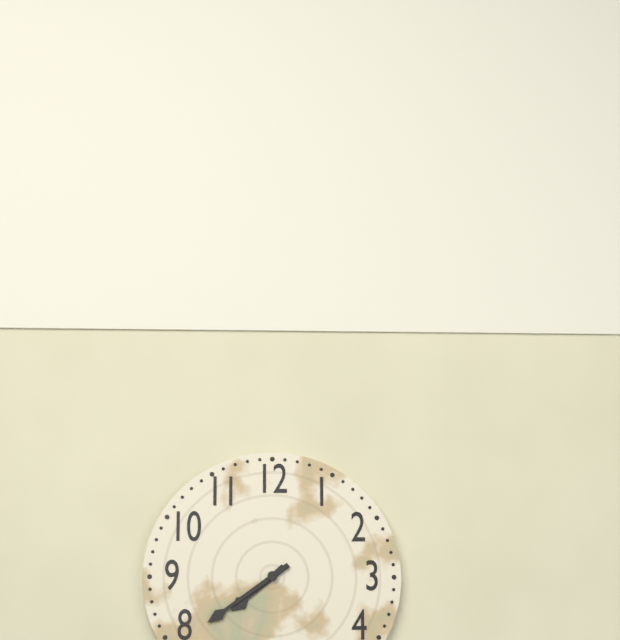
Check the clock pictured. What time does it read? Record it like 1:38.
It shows 7:39
